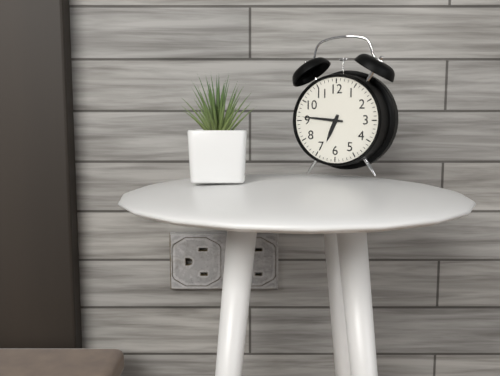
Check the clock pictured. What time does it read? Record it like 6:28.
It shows 6:46
